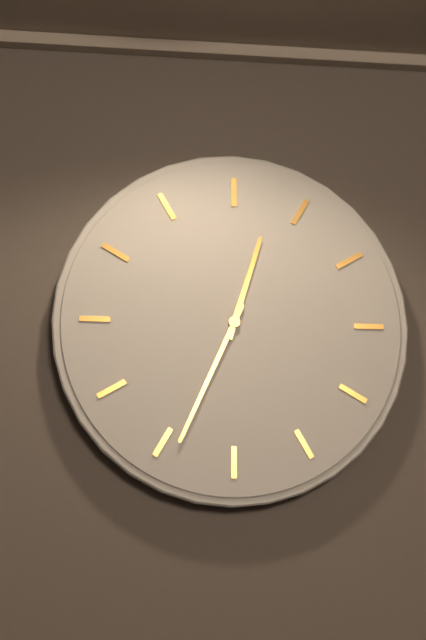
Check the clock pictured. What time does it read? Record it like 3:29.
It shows 12:34
